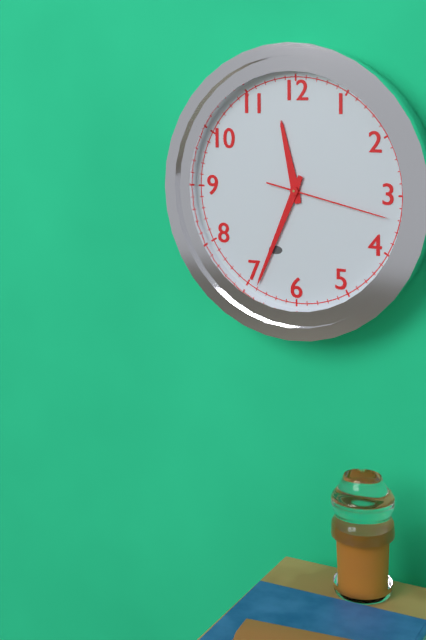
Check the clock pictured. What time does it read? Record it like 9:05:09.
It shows 11:34:17
